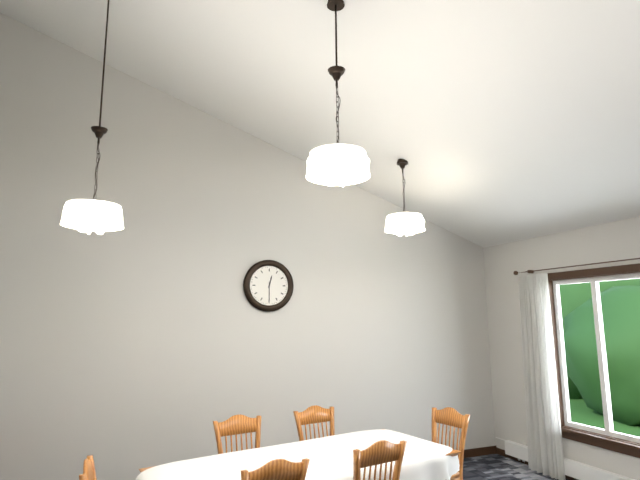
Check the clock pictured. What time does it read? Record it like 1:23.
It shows 12:30
